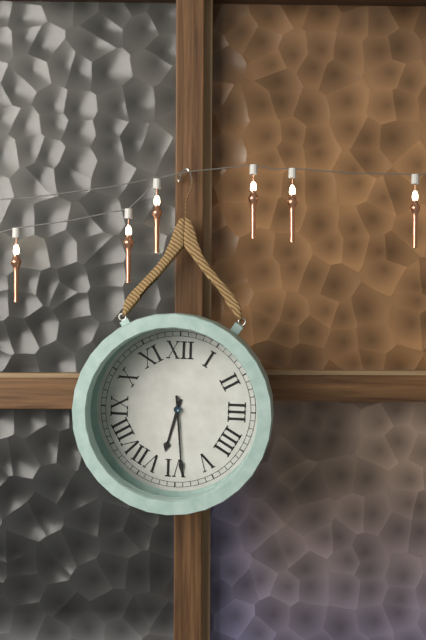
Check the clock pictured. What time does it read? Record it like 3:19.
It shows 6:29
